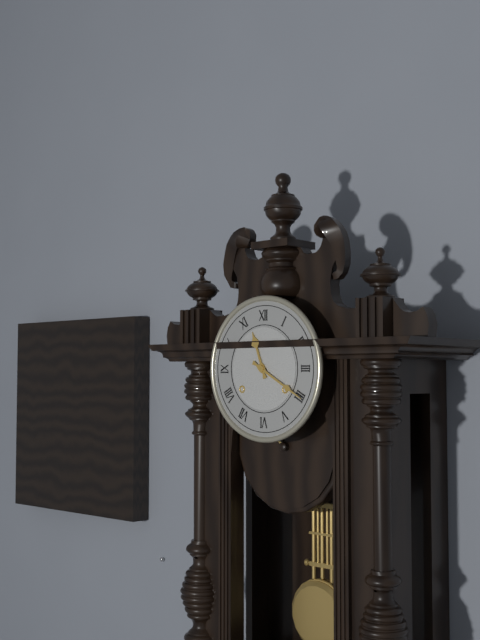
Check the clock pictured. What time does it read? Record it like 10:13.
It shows 11:20
